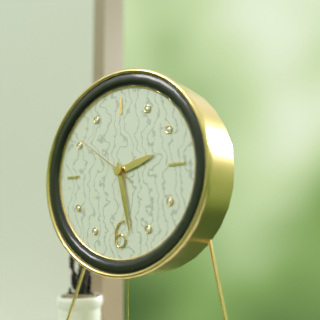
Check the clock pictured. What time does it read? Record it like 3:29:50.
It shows 2:28:51
